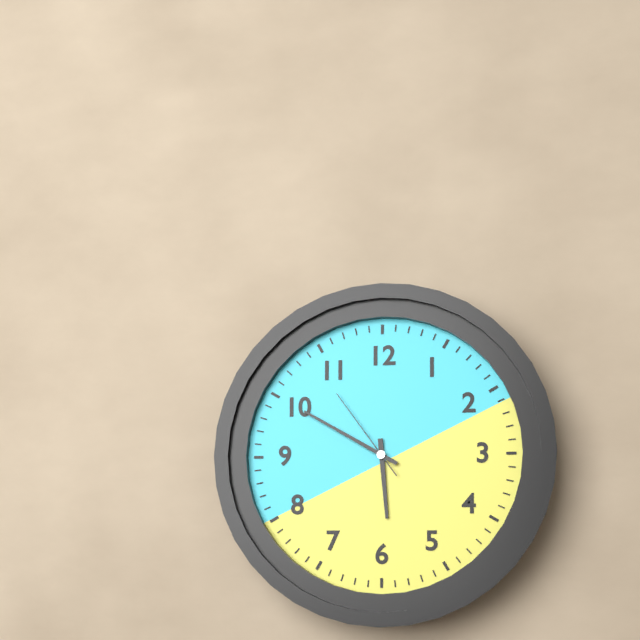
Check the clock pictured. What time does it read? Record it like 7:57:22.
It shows 5:50:54
